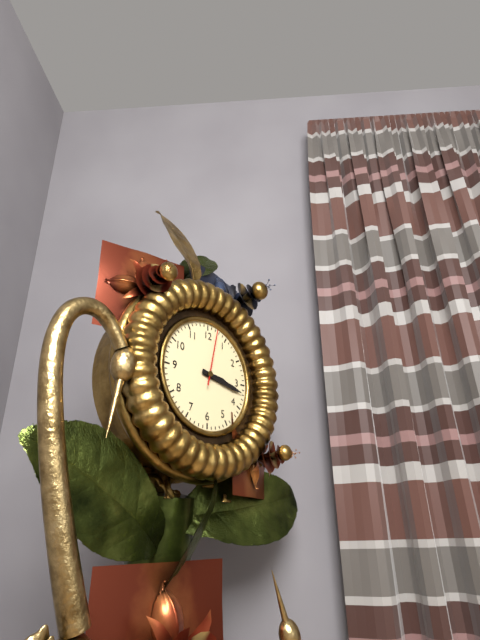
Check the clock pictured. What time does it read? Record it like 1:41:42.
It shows 3:17:02
